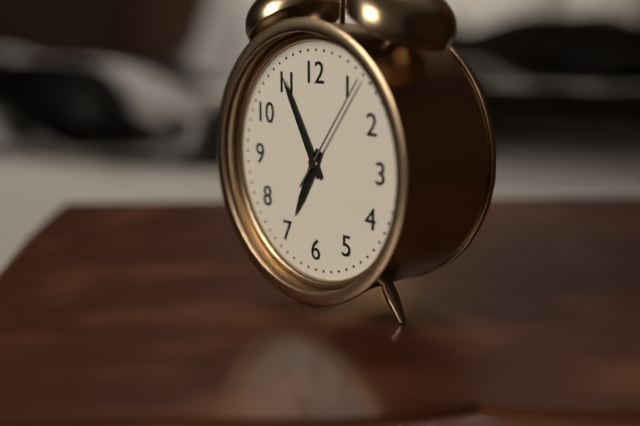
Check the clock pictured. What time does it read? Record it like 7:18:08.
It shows 6:55:06
